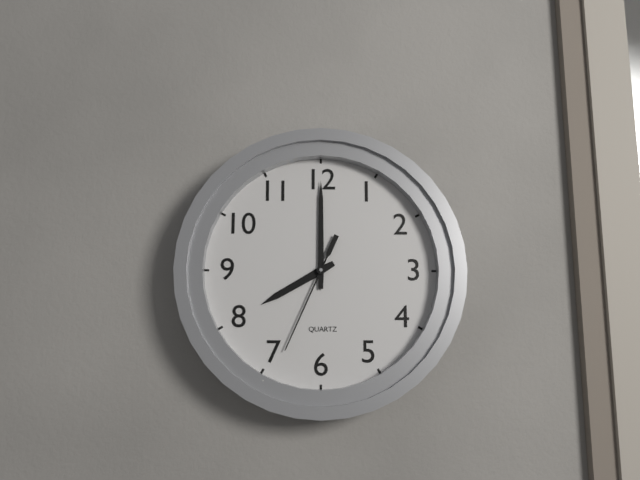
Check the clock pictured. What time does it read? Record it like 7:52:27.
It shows 8:00:34
